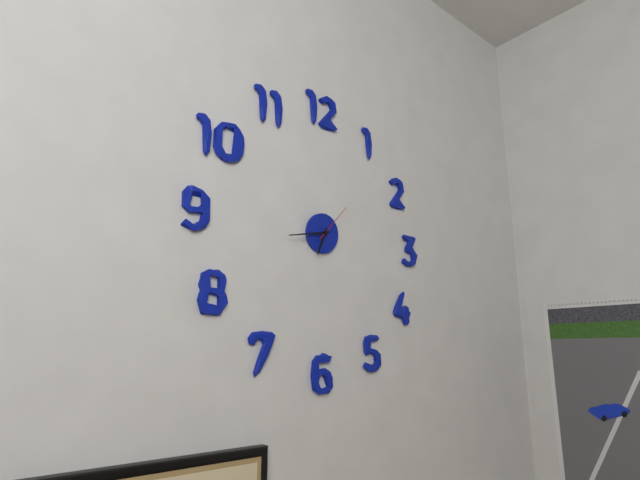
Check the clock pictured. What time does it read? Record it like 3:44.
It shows 6:43
